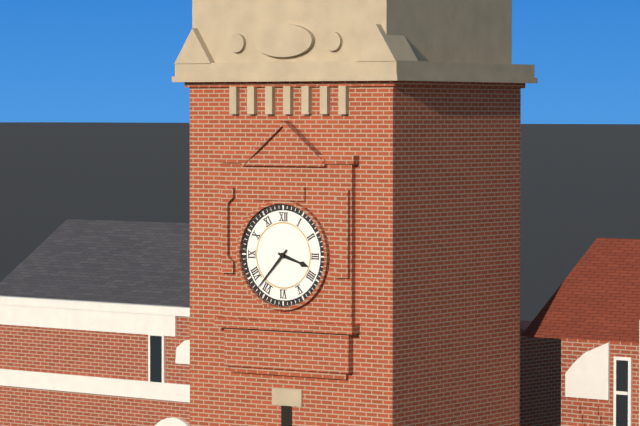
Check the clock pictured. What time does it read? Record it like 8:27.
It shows 3:37
